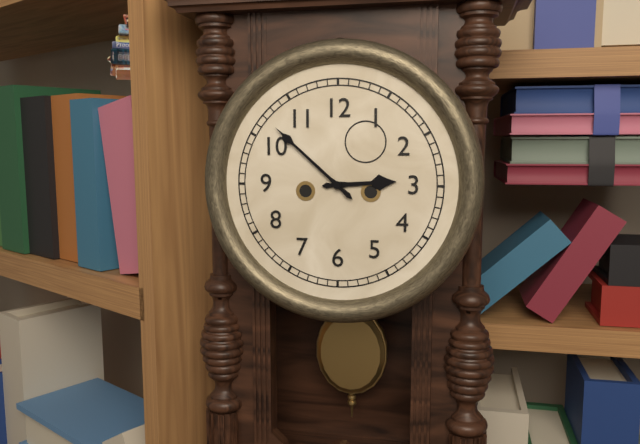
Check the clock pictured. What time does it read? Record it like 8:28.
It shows 2:52
